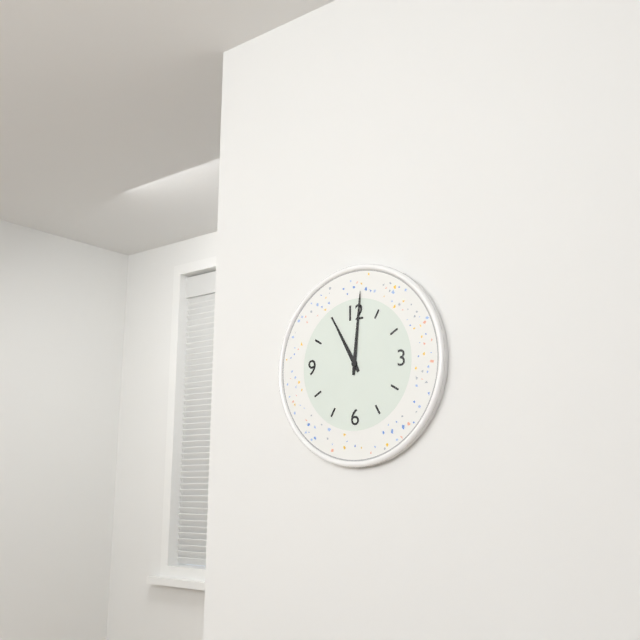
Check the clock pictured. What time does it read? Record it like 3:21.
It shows 11:01
